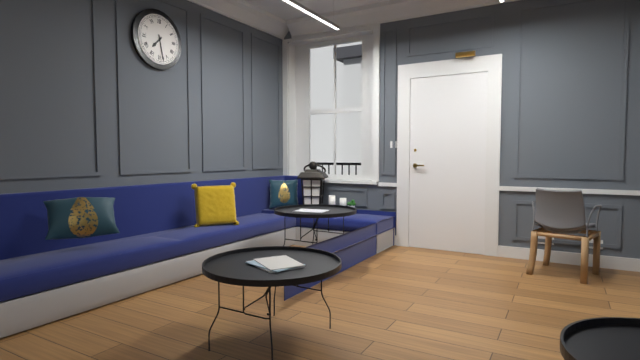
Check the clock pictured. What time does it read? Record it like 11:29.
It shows 7:28
